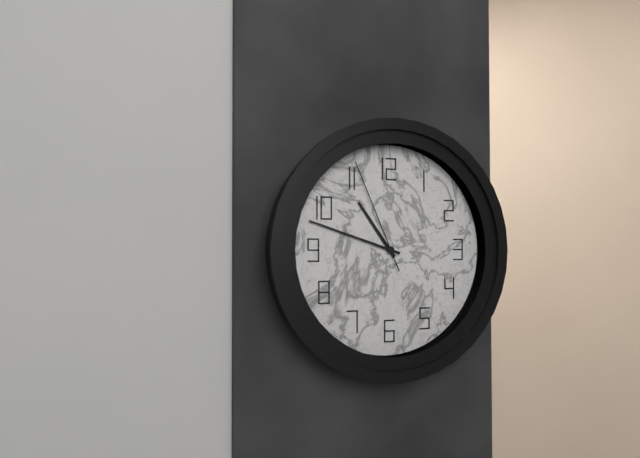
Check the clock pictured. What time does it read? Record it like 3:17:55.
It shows 10:48:56
